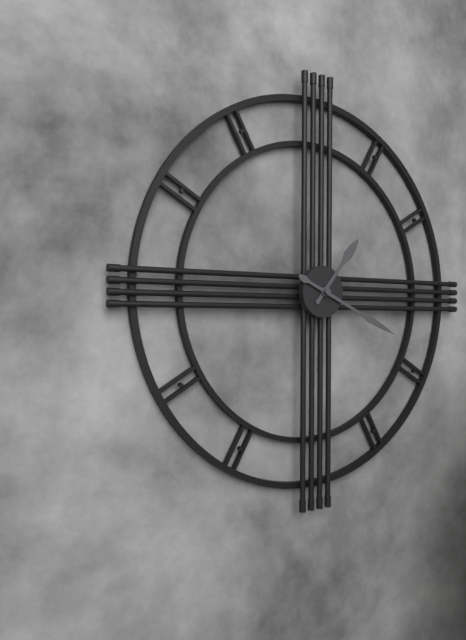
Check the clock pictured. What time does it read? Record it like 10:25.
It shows 1:19
